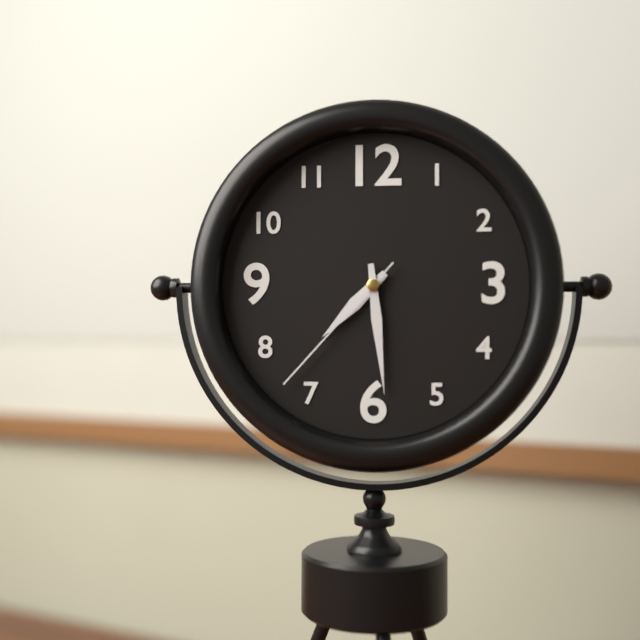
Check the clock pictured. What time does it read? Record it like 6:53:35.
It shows 7:29:37
